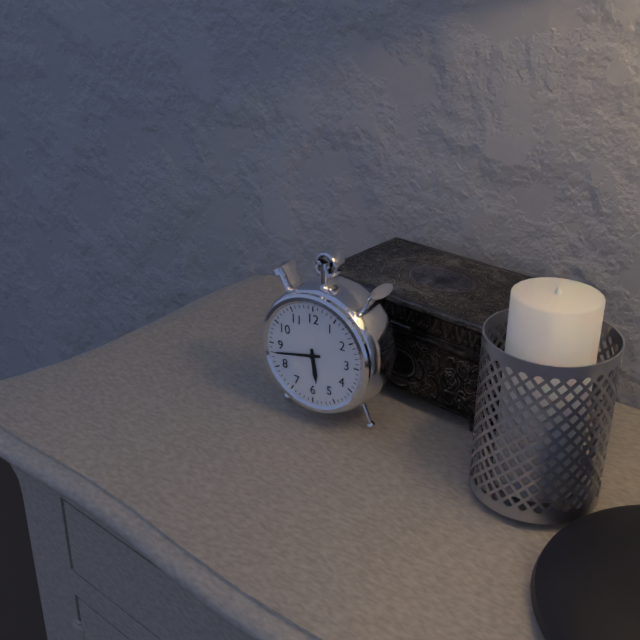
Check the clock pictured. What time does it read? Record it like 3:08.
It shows 5:43
